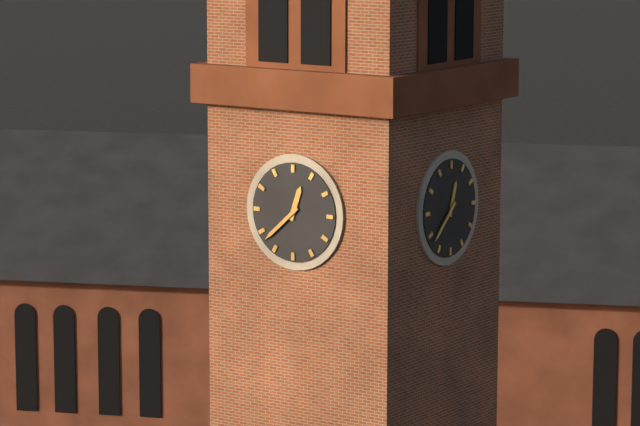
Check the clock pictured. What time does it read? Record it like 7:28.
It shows 12:38
